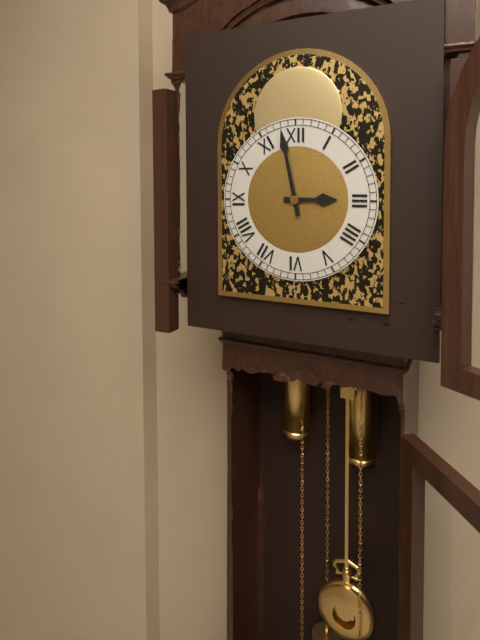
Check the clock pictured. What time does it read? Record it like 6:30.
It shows 2:58
